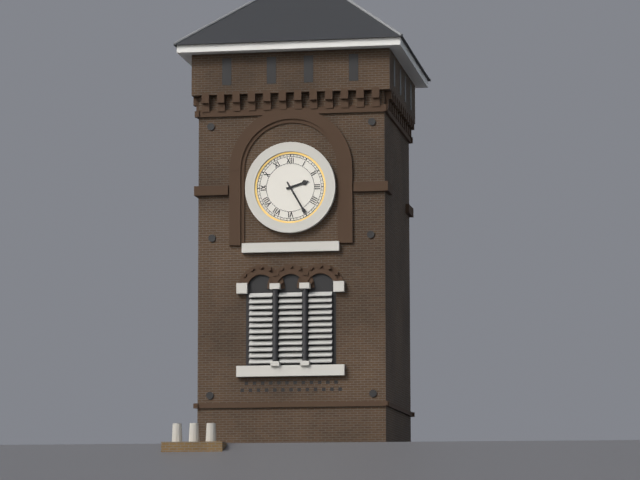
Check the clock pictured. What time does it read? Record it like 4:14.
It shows 2:25
